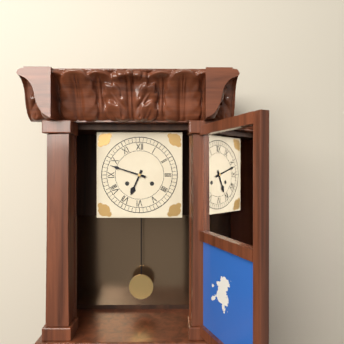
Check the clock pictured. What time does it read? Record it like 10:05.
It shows 6:48
